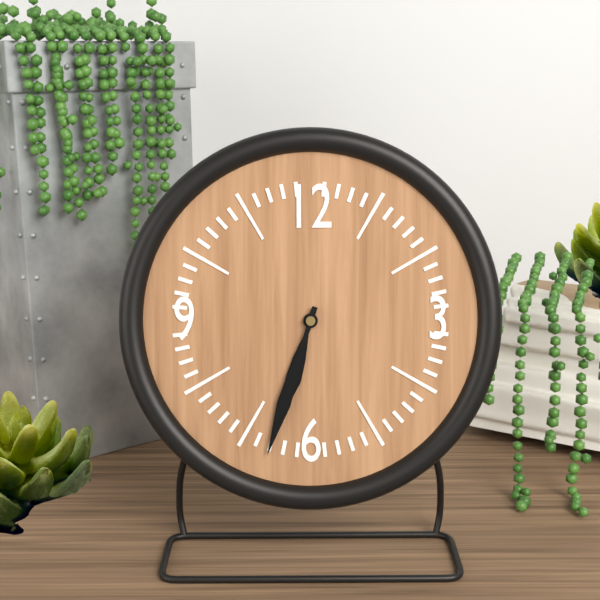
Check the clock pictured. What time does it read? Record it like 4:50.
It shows 6:33
